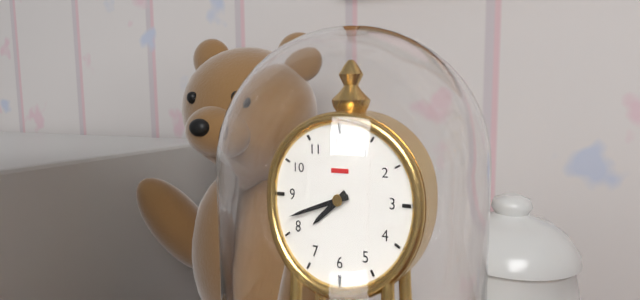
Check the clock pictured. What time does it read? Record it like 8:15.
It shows 7:42
